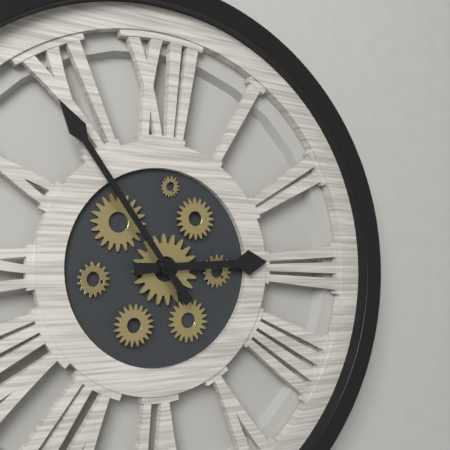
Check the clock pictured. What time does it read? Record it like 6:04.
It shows 2:54
